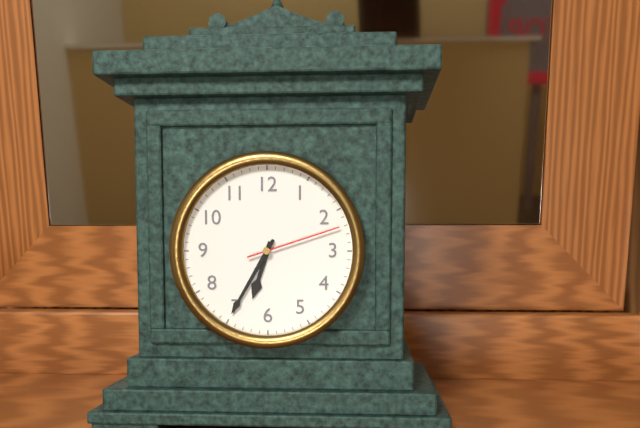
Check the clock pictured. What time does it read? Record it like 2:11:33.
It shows 6:35:12
